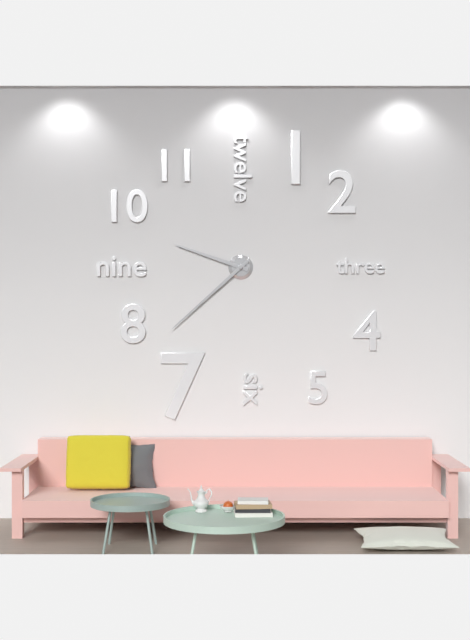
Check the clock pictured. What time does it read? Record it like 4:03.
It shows 9:38
